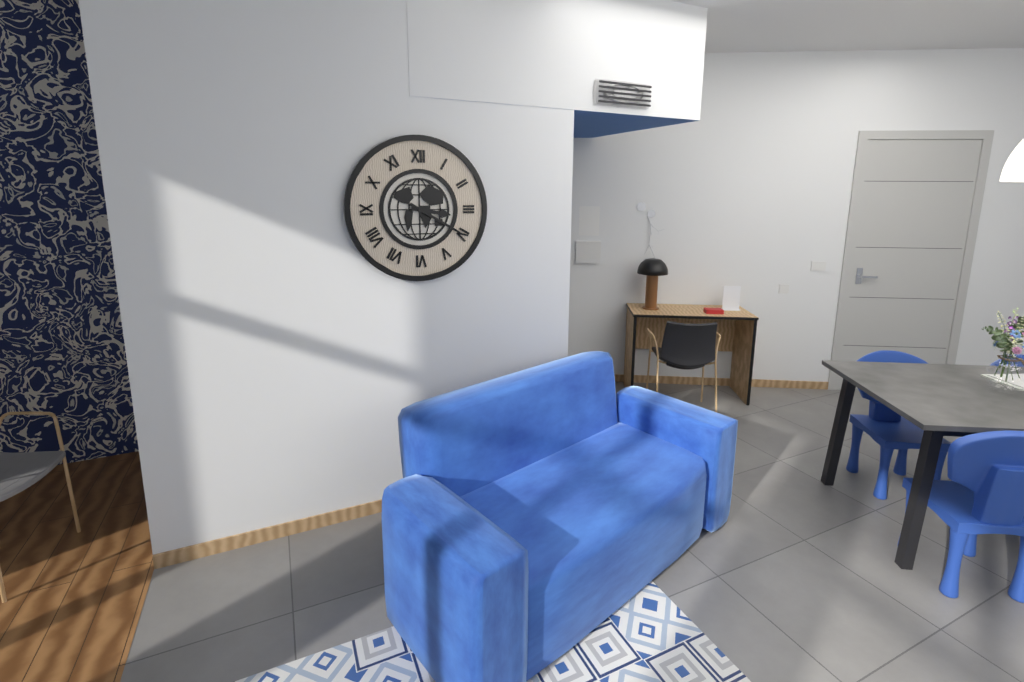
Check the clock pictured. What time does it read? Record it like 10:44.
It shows 3:20
